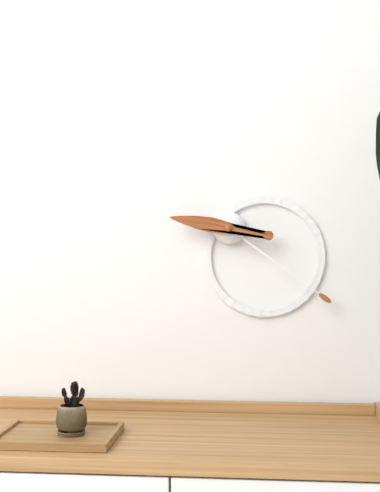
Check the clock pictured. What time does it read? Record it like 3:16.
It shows 9:21
